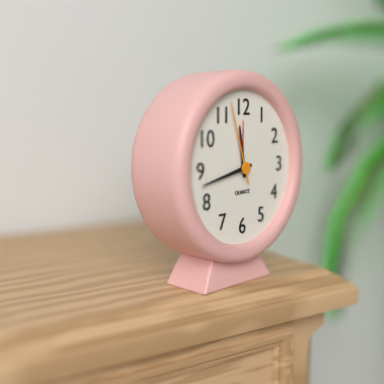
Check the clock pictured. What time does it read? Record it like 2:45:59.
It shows 11:43:57
